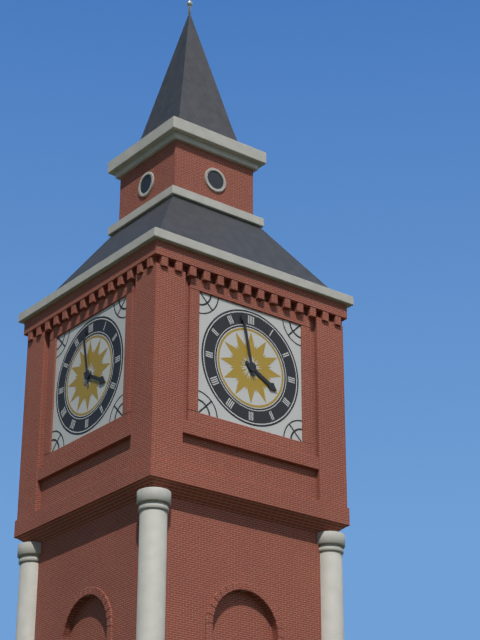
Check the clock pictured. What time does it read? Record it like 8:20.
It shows 3:58
